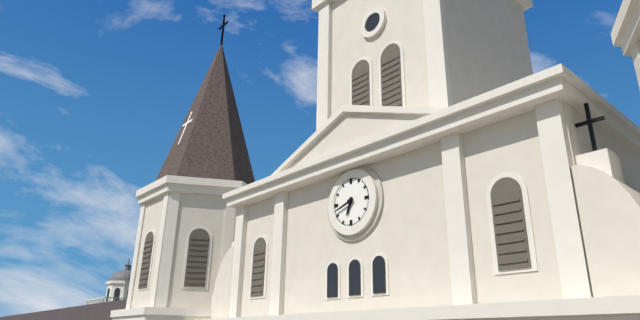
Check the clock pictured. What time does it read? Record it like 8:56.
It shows 6:42
